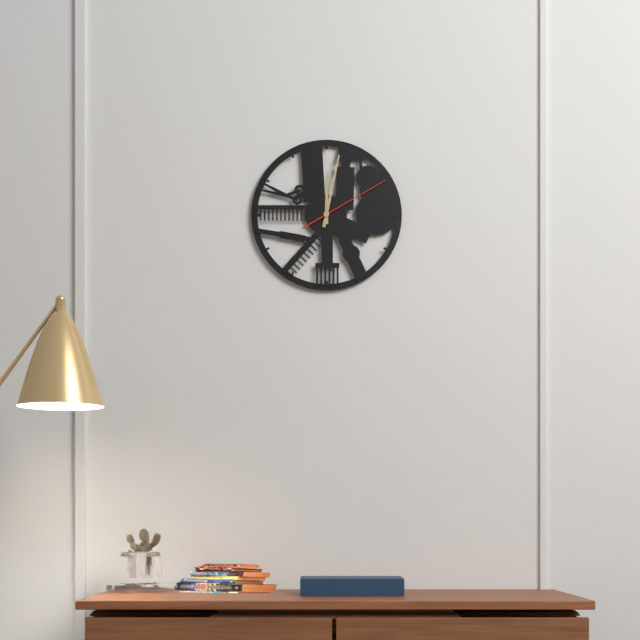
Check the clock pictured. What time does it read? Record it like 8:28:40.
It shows 12:02:10
